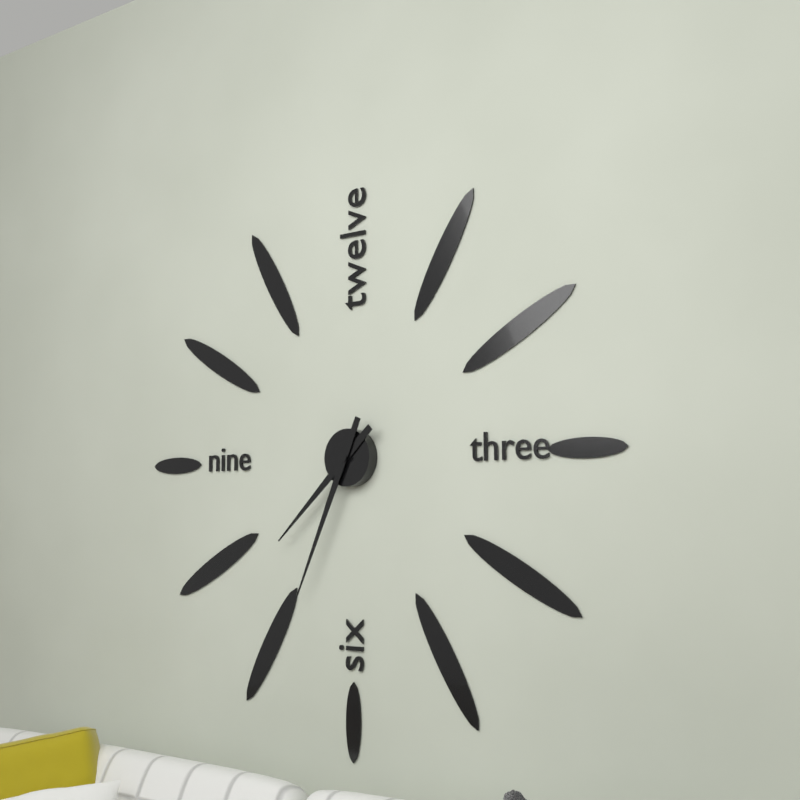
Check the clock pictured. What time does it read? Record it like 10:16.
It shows 7:34
